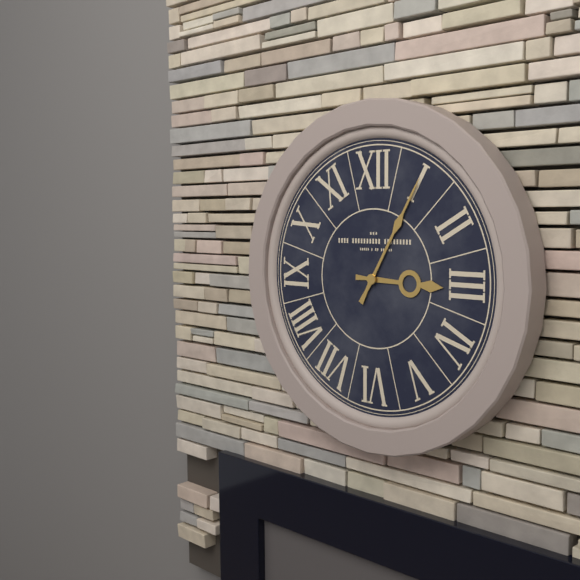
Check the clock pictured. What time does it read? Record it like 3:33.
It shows 3:05
